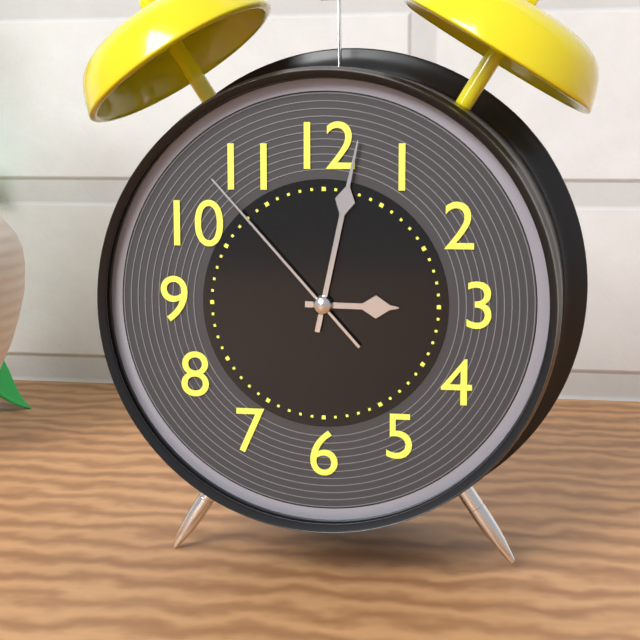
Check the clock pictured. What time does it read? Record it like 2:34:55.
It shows 3:02:53
